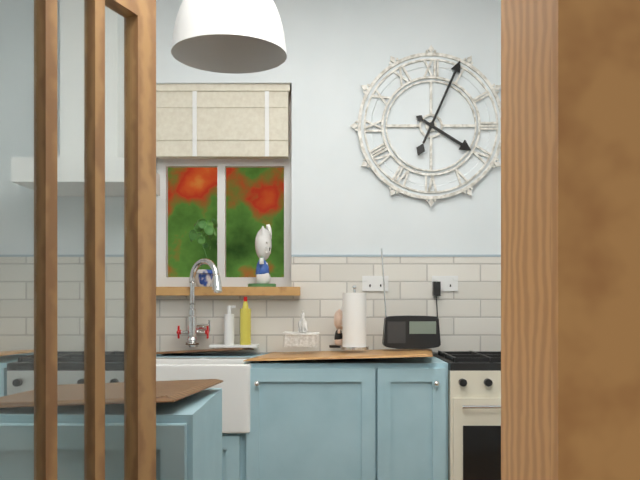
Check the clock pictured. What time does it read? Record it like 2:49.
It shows 4:04
